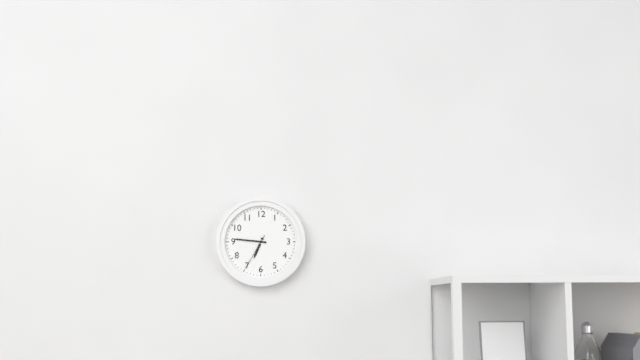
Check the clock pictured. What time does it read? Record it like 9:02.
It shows 6:46
